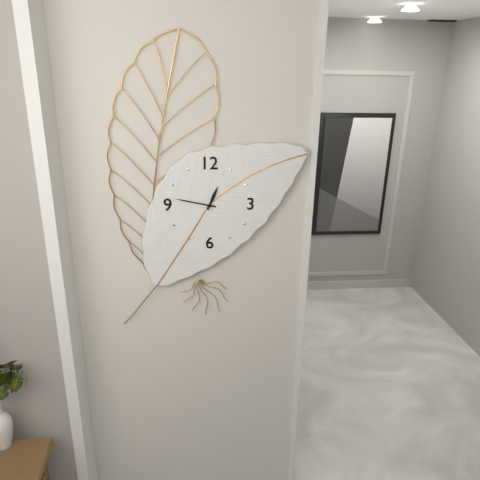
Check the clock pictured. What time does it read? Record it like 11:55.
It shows 12:47
